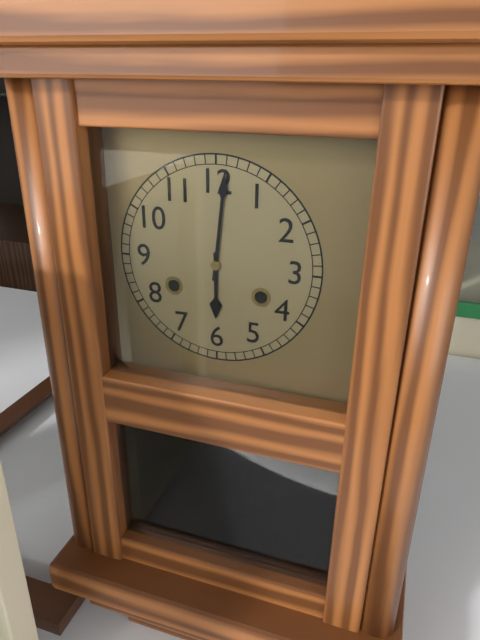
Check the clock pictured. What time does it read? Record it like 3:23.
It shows 6:01
